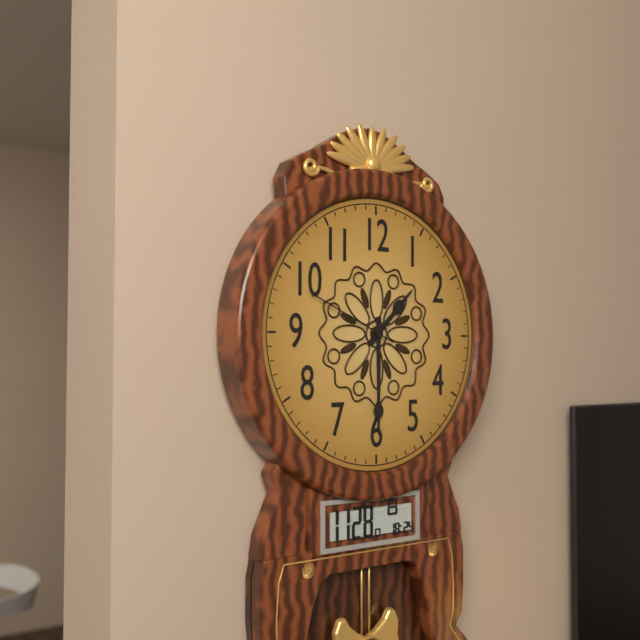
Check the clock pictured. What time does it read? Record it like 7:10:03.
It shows 1:30:49
